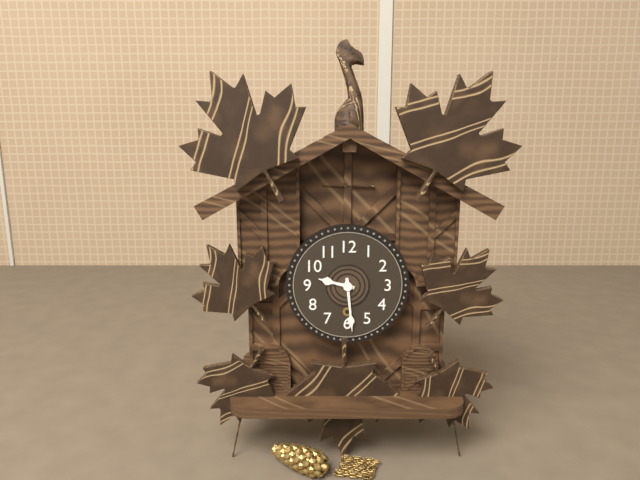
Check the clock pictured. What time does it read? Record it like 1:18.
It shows 9:29
